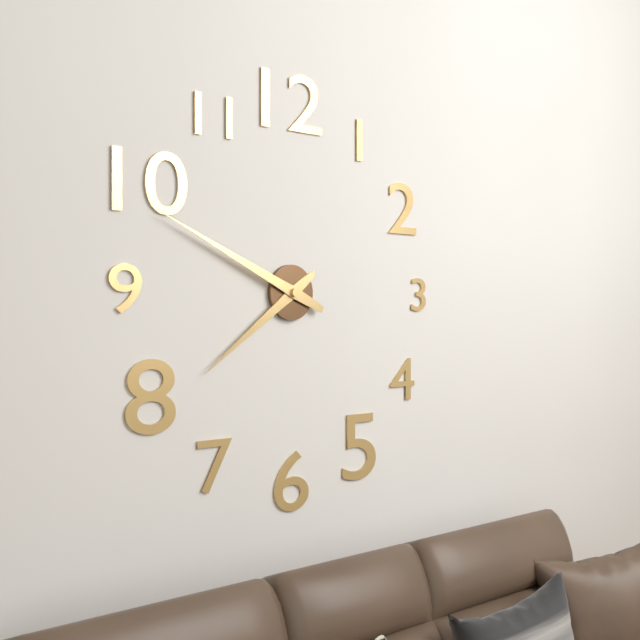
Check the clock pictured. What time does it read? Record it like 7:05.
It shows 7:49
